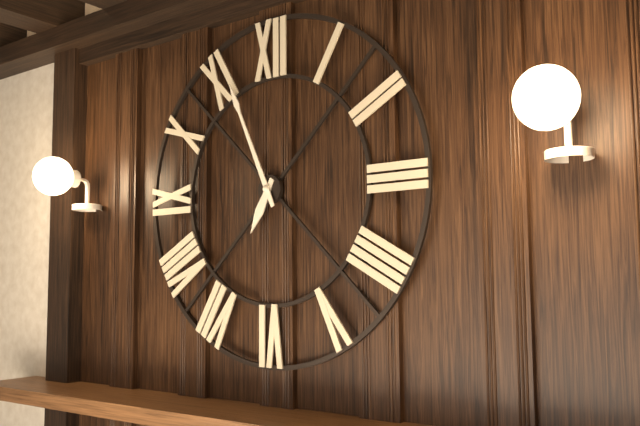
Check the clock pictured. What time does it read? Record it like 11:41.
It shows 6:56
